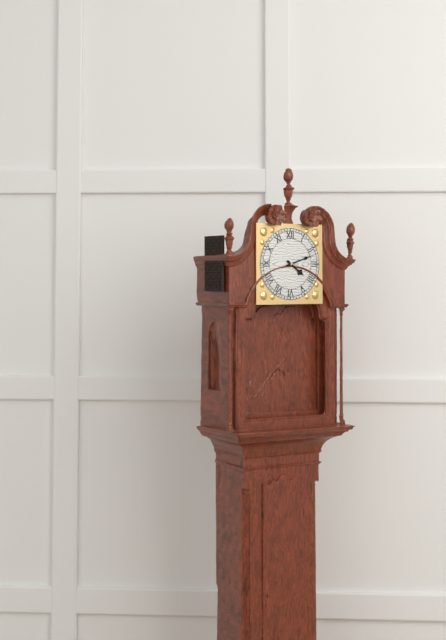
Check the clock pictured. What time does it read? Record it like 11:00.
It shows 4:12
